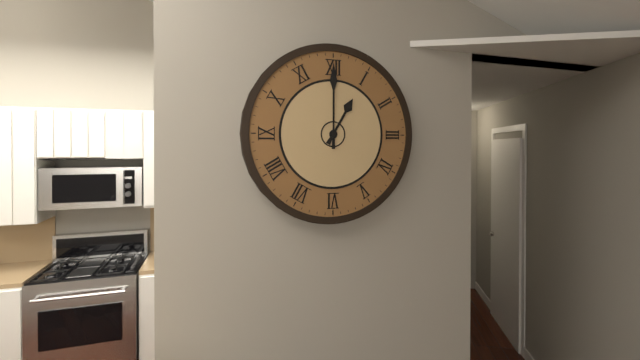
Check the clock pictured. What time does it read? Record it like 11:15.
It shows 1:00
